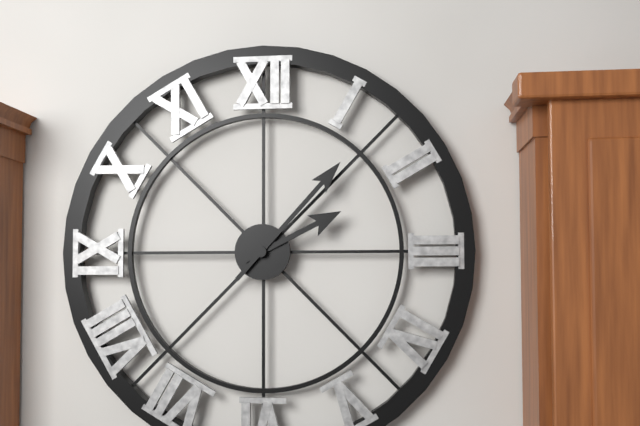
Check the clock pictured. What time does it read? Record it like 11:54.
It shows 2:07
